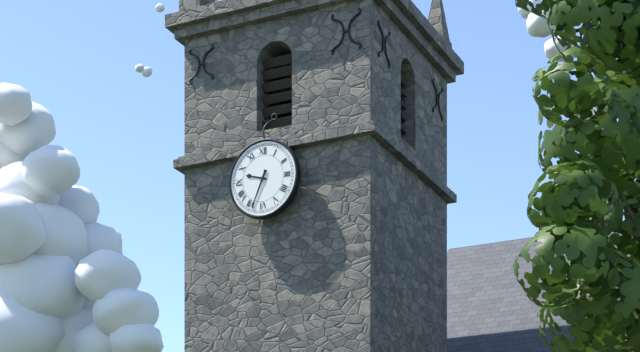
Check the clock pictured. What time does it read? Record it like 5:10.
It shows 9:34
